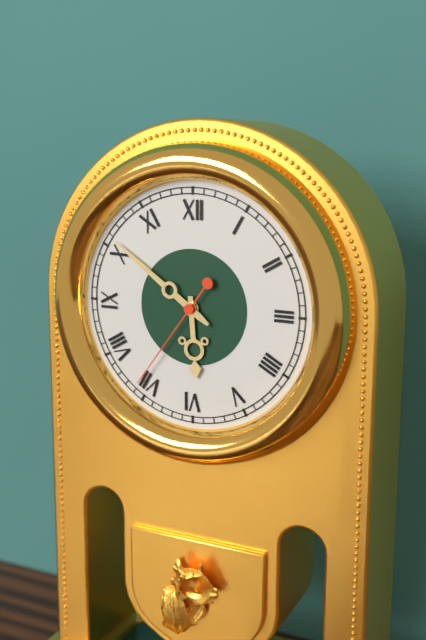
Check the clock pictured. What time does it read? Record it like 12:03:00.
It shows 5:51:36
